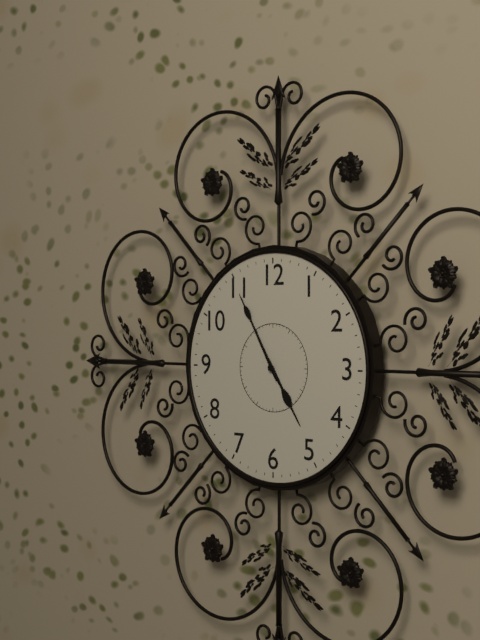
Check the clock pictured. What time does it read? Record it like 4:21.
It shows 4:55
